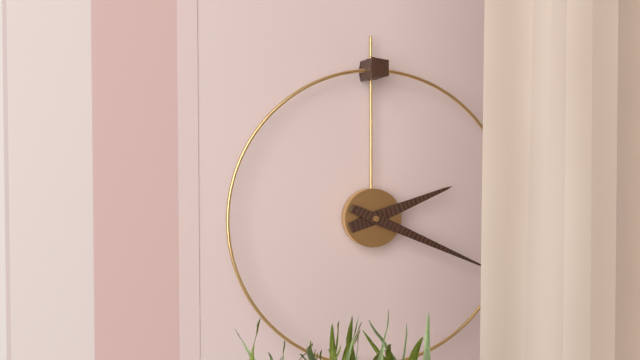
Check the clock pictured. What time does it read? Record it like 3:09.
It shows 2:19
